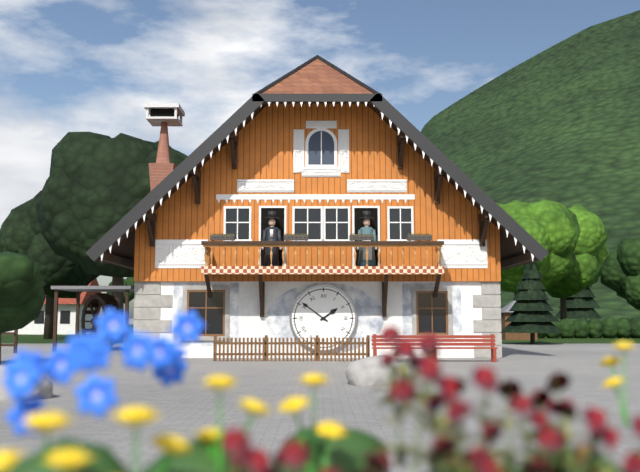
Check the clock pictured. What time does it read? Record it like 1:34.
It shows 1:51
